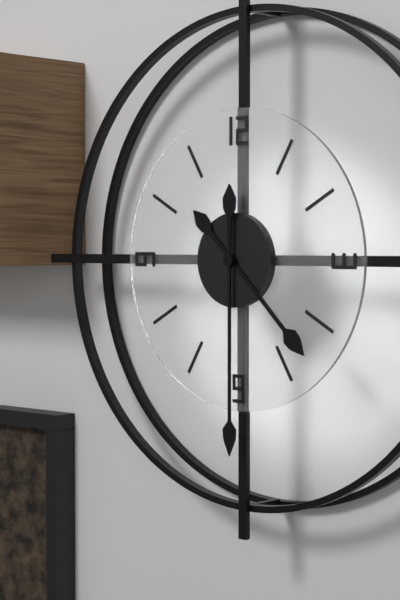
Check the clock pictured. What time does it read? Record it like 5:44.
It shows 4:30
